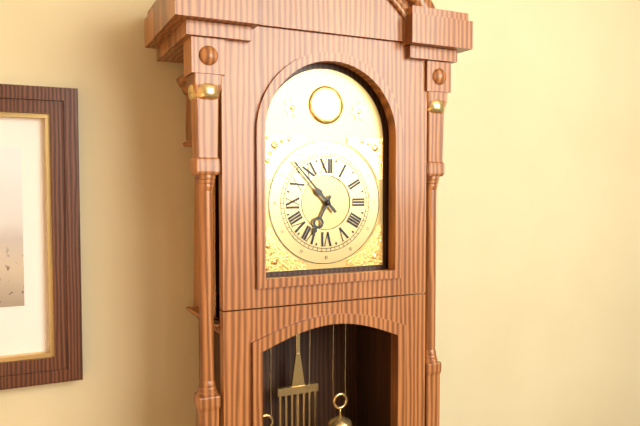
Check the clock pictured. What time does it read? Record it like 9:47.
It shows 6:53
